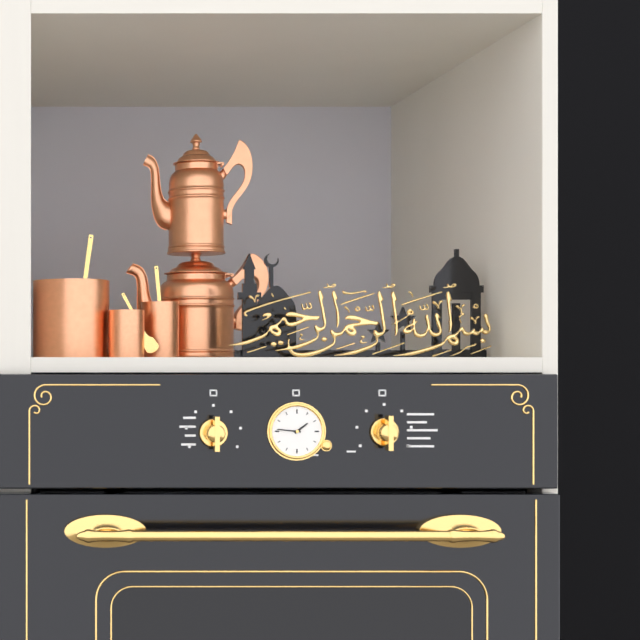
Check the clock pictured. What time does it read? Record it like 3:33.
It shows 1:46
